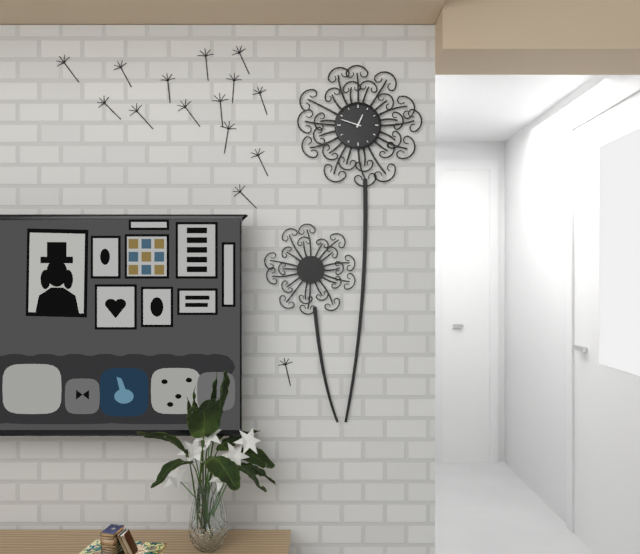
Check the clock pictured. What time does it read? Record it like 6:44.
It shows 12:48
